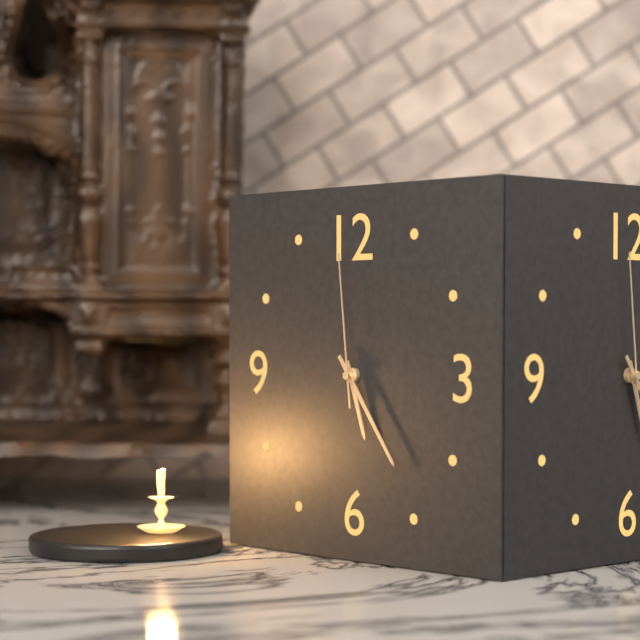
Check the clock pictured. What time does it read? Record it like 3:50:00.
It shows 5:24:59
